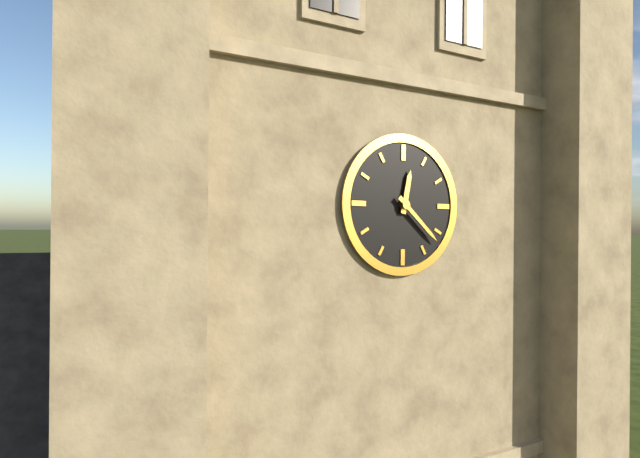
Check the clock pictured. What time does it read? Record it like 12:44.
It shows 12:22
